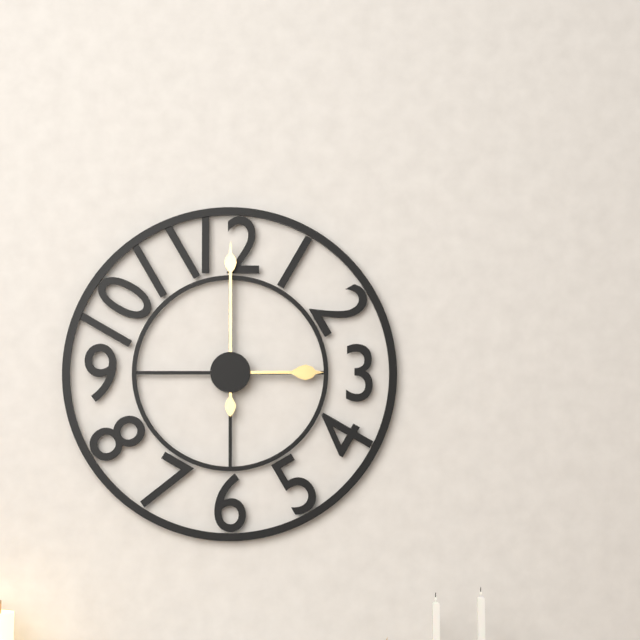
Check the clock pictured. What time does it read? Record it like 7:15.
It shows 3:00
